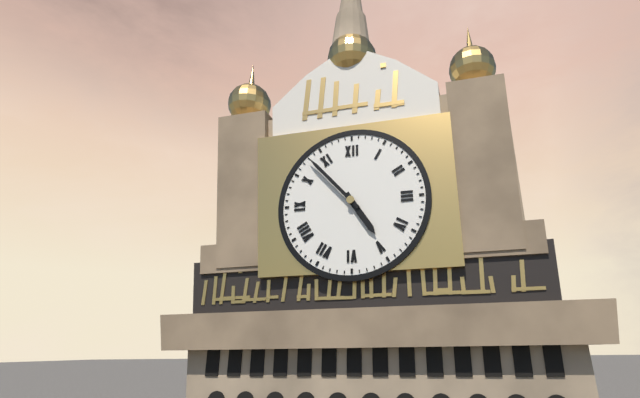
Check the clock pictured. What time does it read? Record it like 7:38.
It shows 4:53
